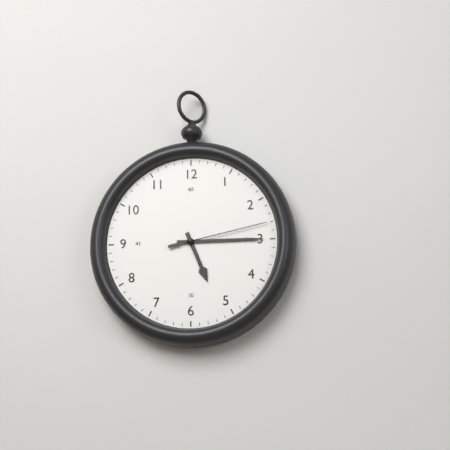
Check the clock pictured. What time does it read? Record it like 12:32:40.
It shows 5:15:13
